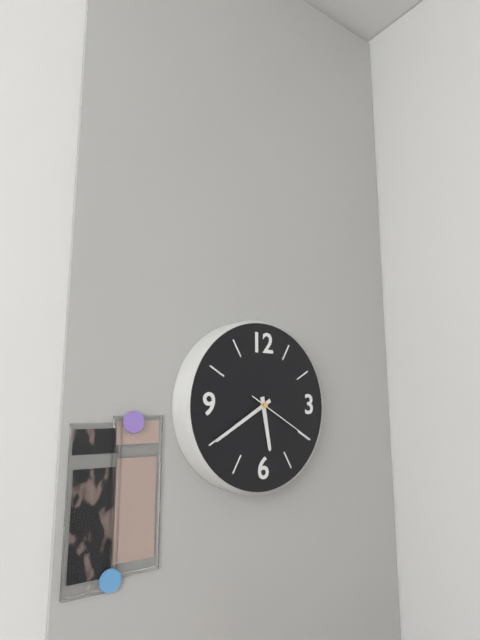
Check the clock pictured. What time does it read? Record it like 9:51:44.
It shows 5:40:20
